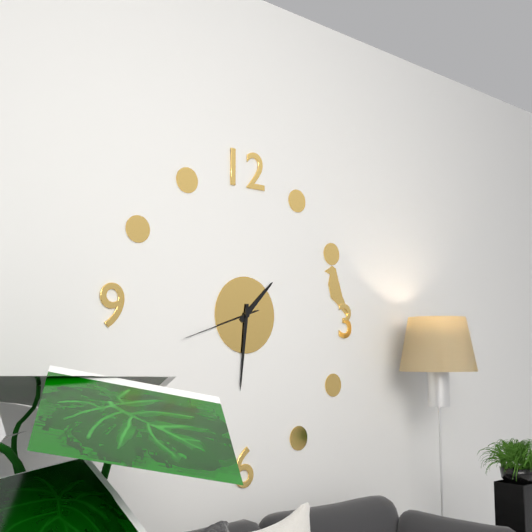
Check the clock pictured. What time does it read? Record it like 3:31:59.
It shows 1:31:42
